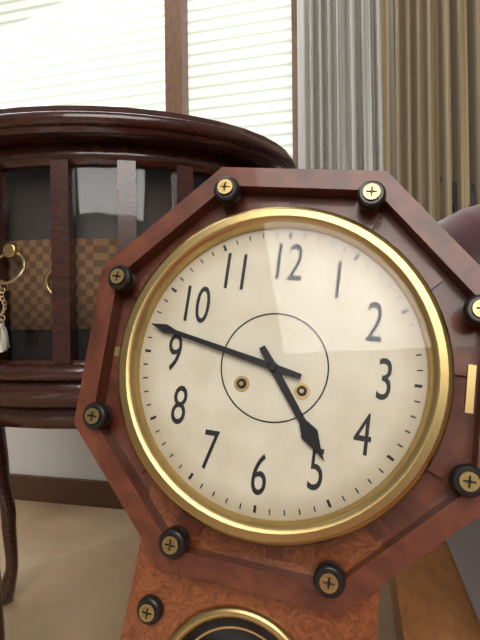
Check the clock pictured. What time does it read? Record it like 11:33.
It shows 4:47
